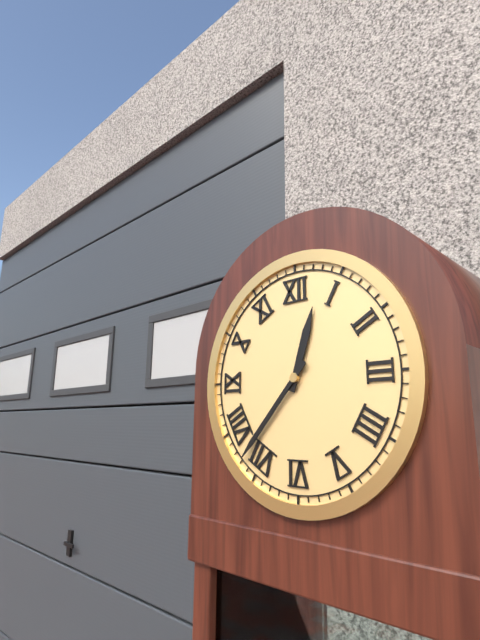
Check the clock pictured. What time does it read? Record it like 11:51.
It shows 12:37
